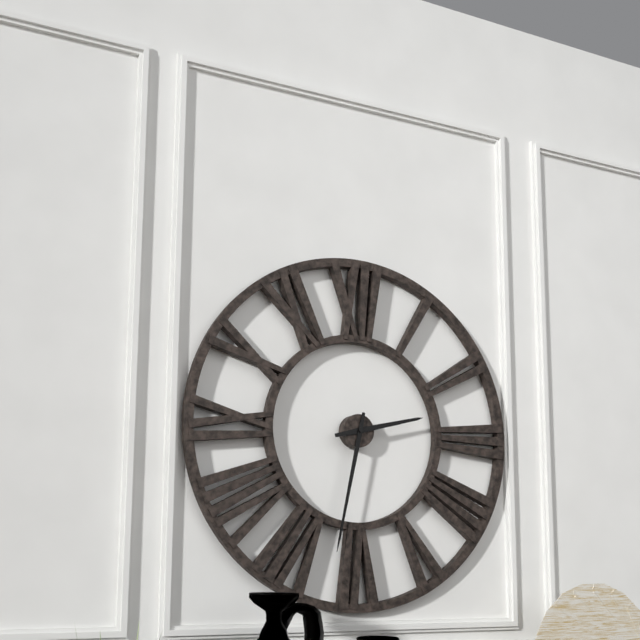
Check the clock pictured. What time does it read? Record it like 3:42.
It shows 2:32
